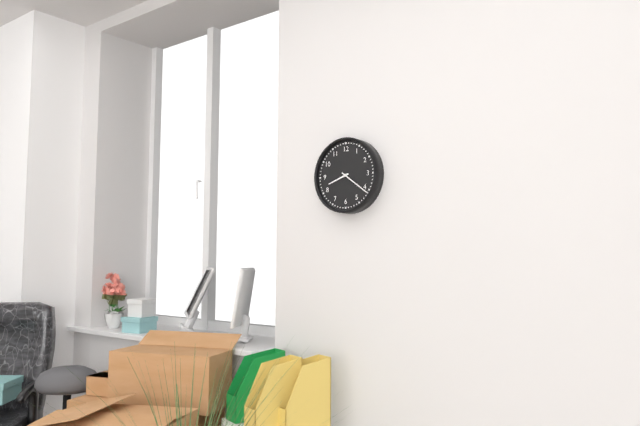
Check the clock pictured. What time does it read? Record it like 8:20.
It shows 8:21
